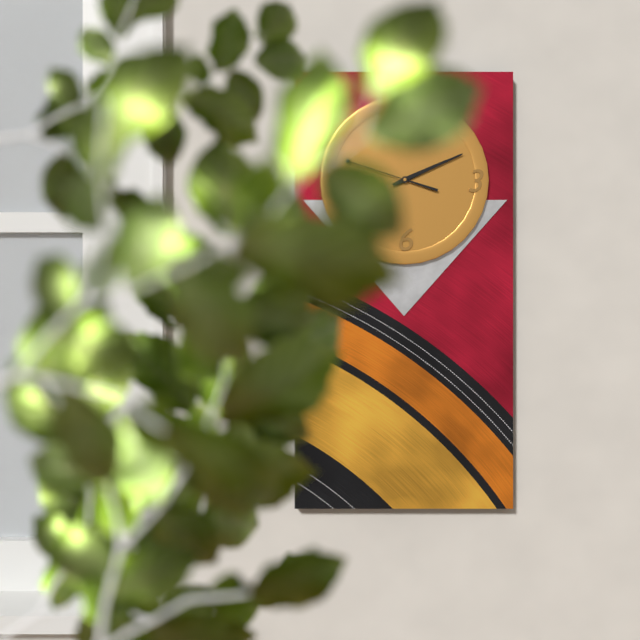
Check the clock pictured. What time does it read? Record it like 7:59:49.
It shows 2:11:48
